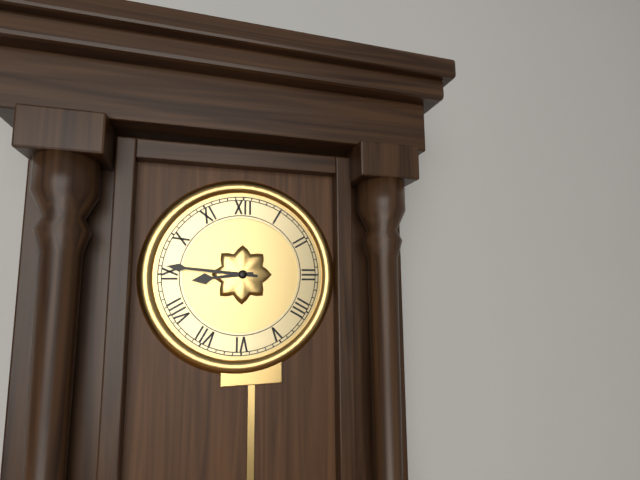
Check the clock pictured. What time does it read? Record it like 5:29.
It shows 8:46
